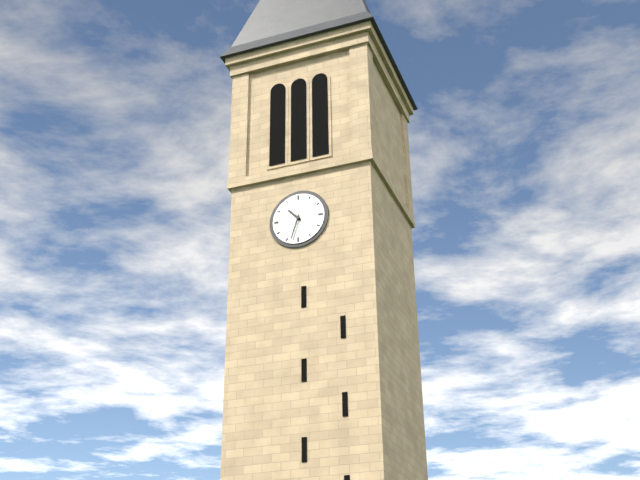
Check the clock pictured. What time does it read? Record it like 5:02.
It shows 10:33
